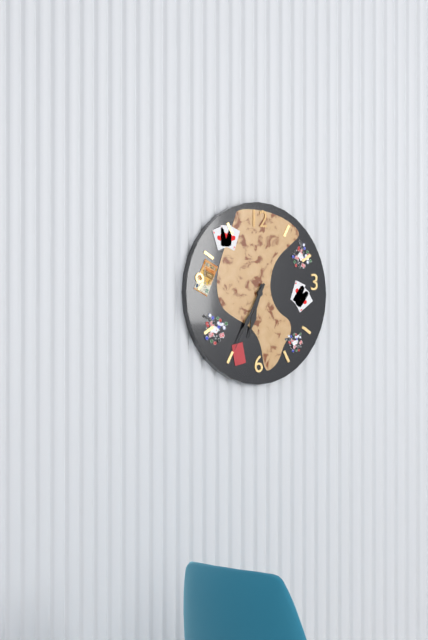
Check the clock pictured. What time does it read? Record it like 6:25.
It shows 6:35
